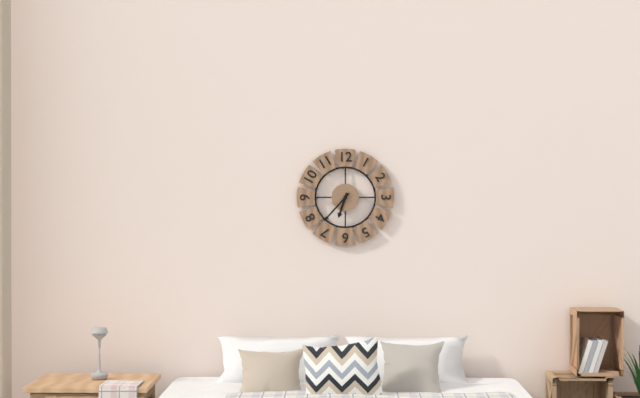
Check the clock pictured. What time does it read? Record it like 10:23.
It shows 6:37
